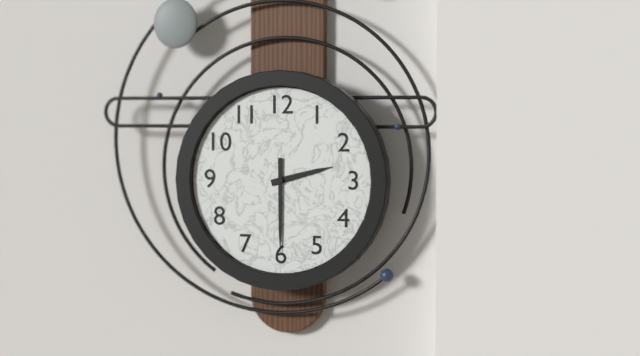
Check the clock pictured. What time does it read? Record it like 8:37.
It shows 2:30
